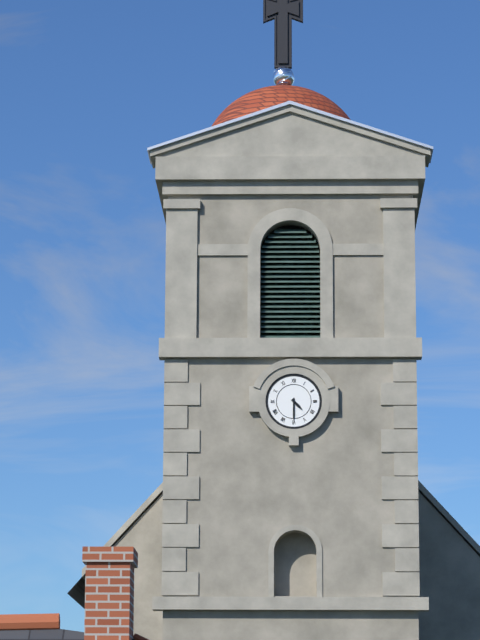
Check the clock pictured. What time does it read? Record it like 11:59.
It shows 4:30
